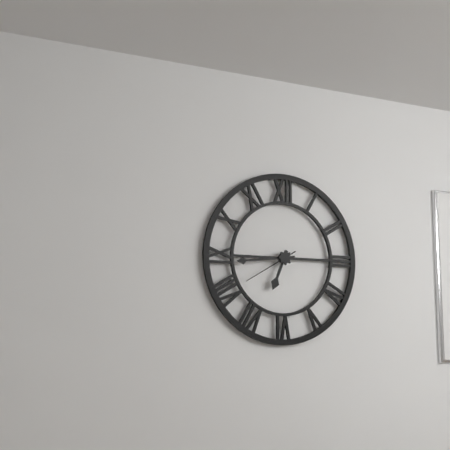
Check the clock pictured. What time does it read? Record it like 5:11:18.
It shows 6:44:40
